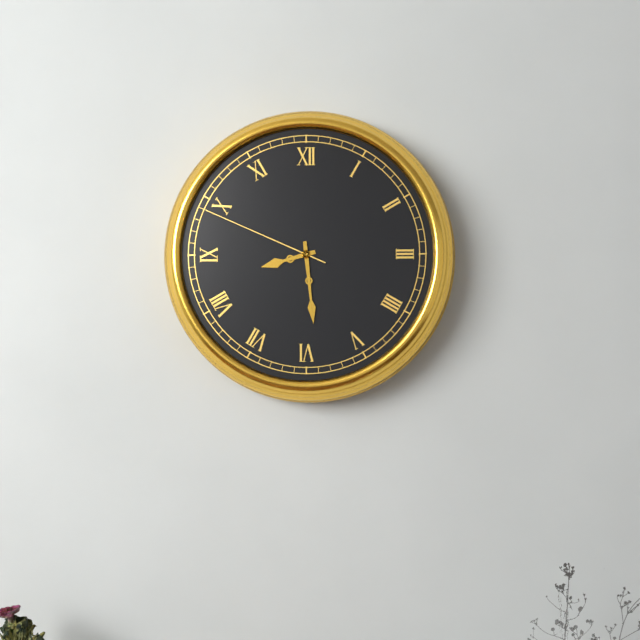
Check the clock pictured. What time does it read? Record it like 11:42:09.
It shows 8:29:49
